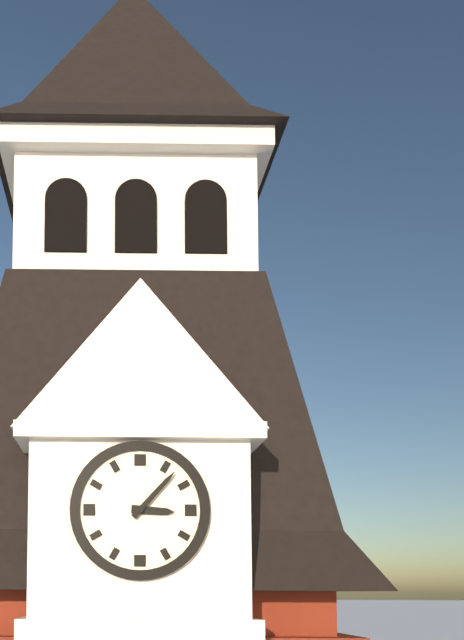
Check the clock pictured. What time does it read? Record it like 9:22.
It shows 3:07
